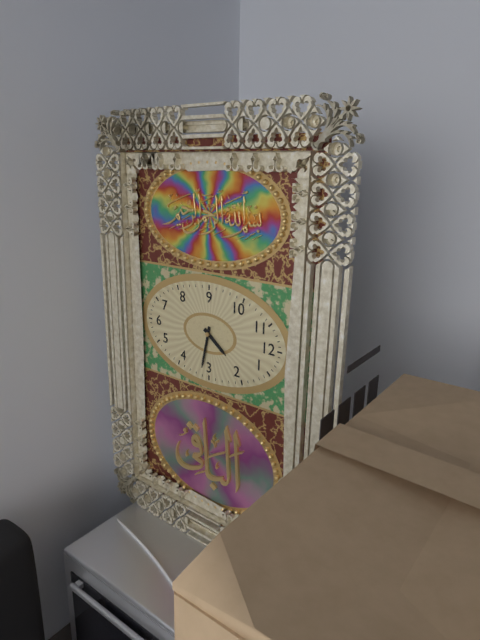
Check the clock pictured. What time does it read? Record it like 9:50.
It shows 1:17
